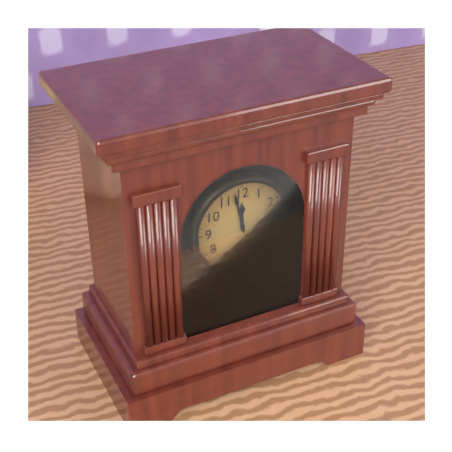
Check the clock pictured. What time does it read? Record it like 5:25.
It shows 11:58
